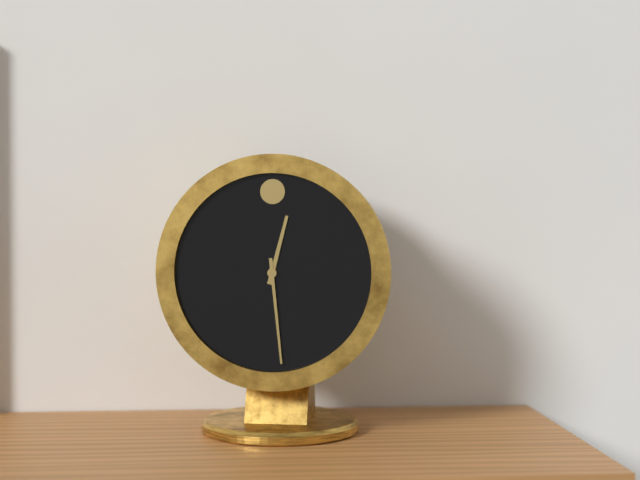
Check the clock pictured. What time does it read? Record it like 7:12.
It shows 12:29
